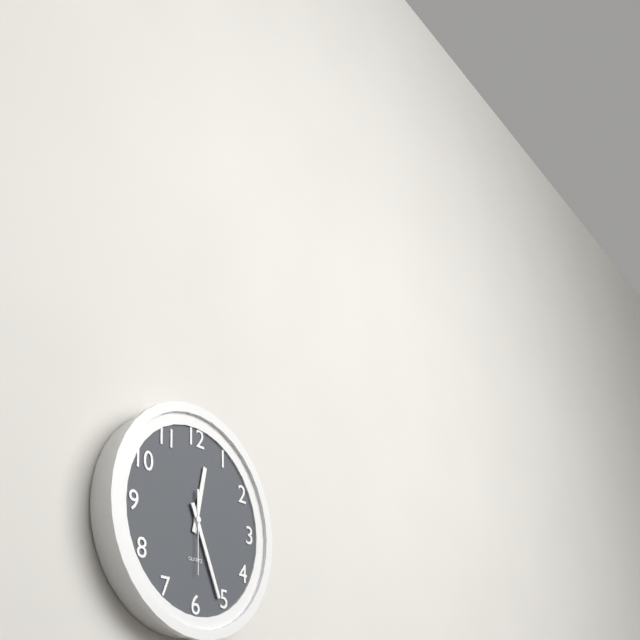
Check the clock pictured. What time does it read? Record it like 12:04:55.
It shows 12:26:30
